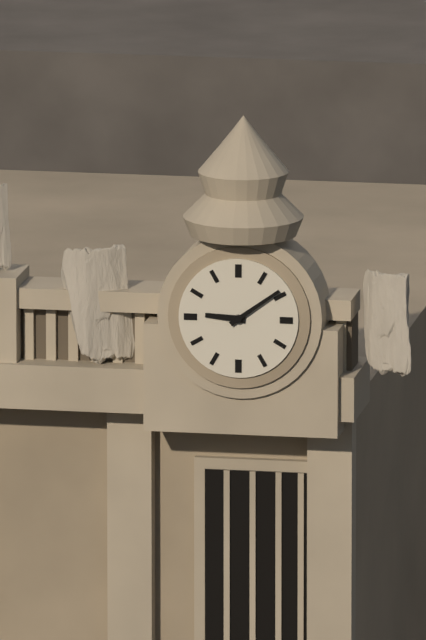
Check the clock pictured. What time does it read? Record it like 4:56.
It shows 9:09
